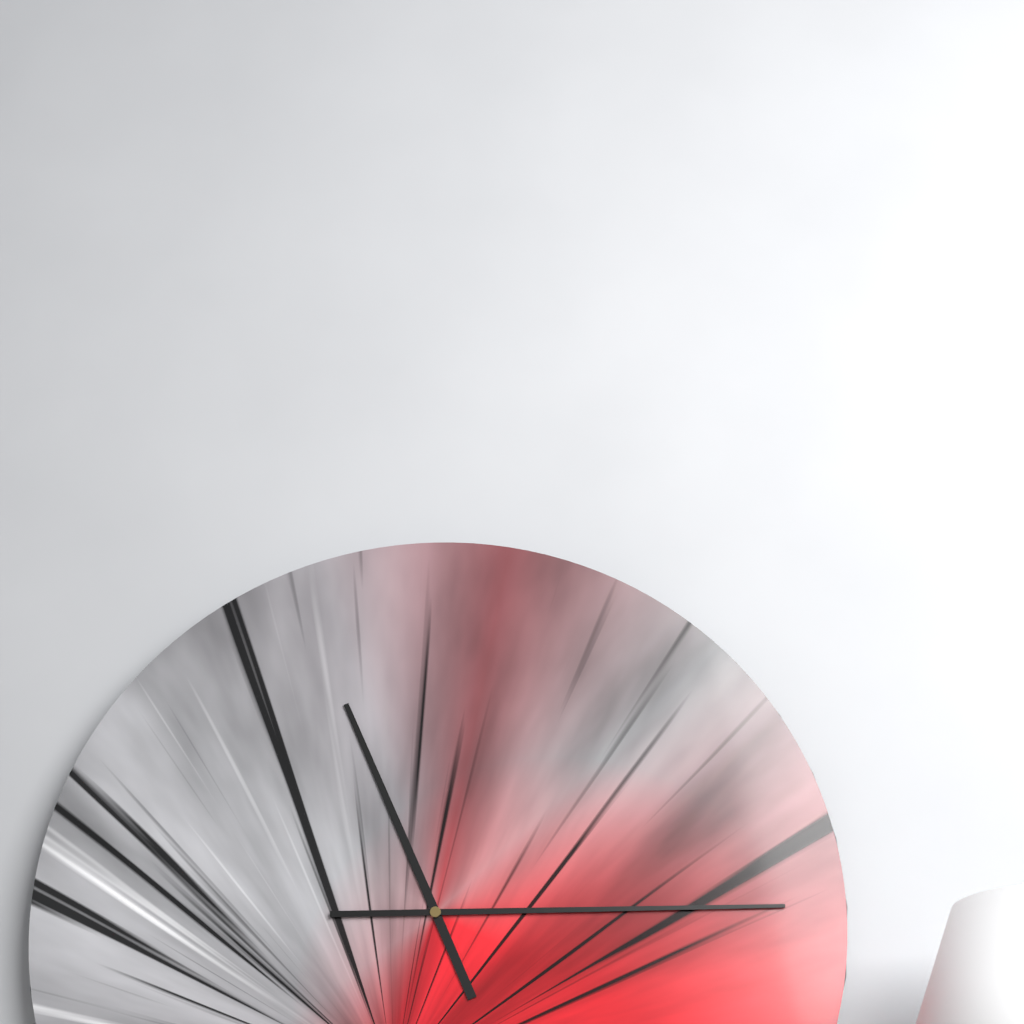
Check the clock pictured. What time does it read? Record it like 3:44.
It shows 11:15
